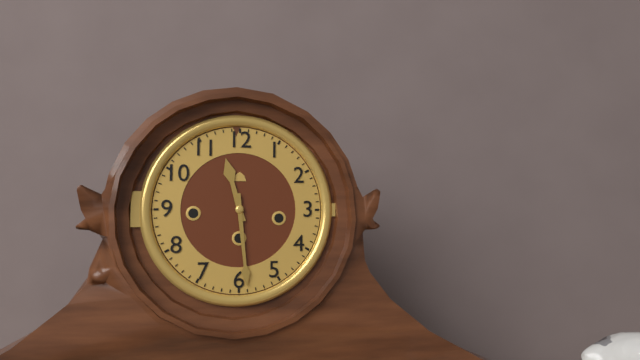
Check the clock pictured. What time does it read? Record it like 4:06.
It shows 11:29
